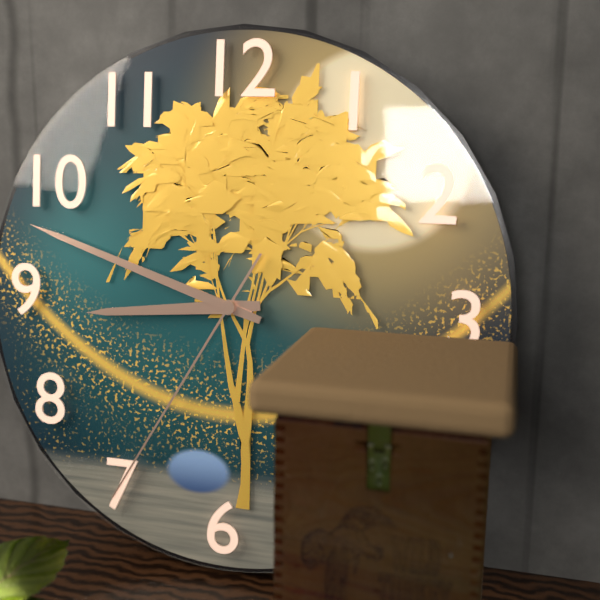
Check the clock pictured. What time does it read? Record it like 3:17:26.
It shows 8:48:35
